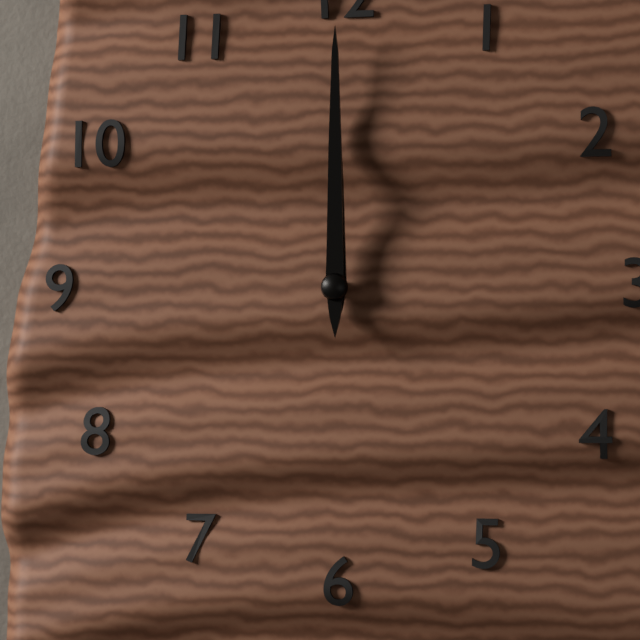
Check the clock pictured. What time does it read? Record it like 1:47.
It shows 12:00
